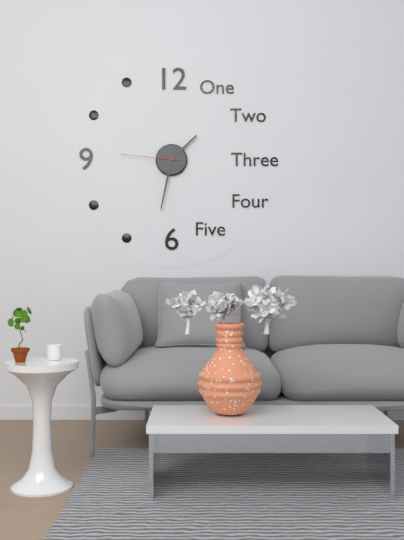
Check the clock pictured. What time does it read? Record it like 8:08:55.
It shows 1:32:46
